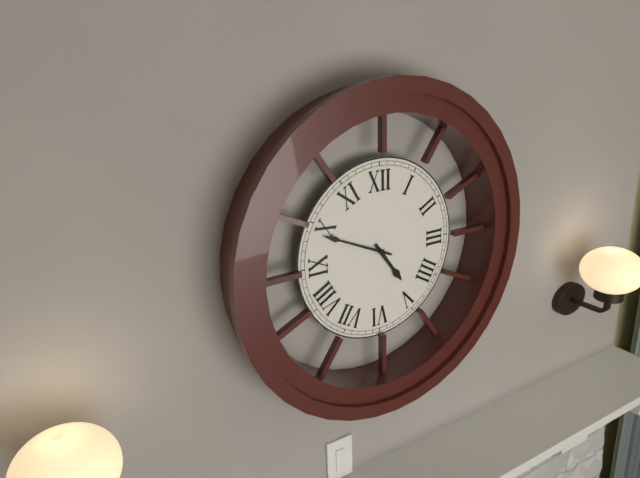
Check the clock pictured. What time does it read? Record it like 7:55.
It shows 4:49
